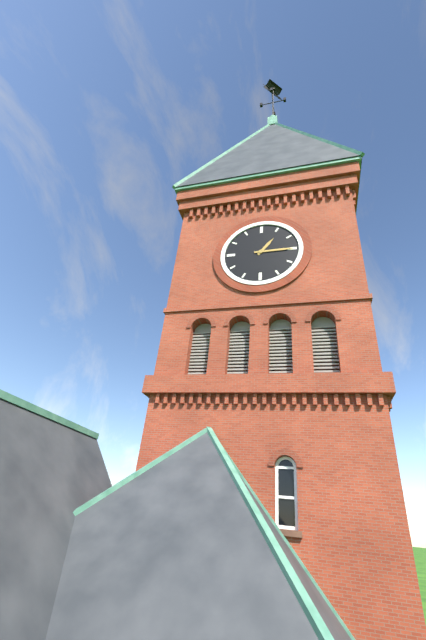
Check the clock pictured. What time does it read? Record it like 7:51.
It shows 1:15
